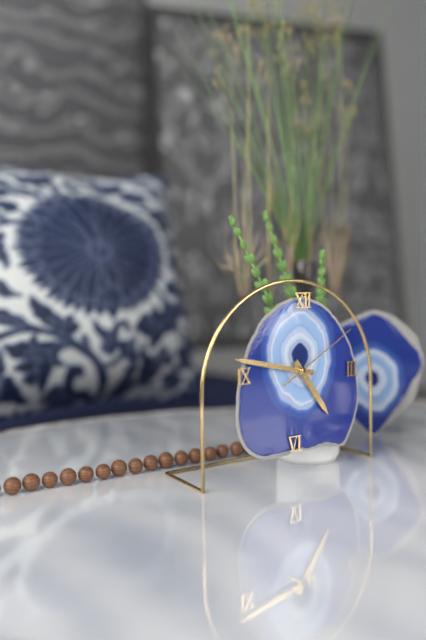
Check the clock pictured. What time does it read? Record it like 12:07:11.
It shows 4:47:10
